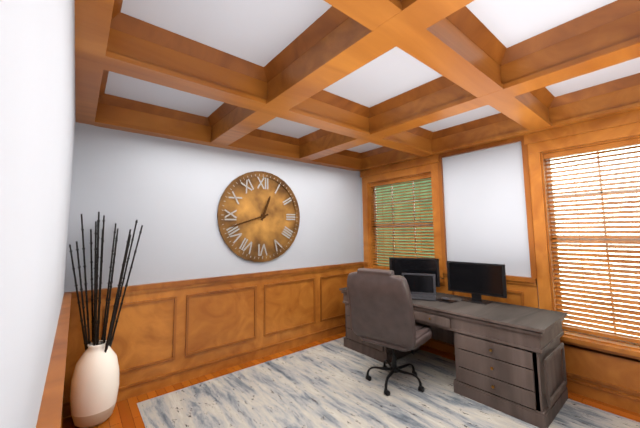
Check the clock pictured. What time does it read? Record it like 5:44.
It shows 12:42
